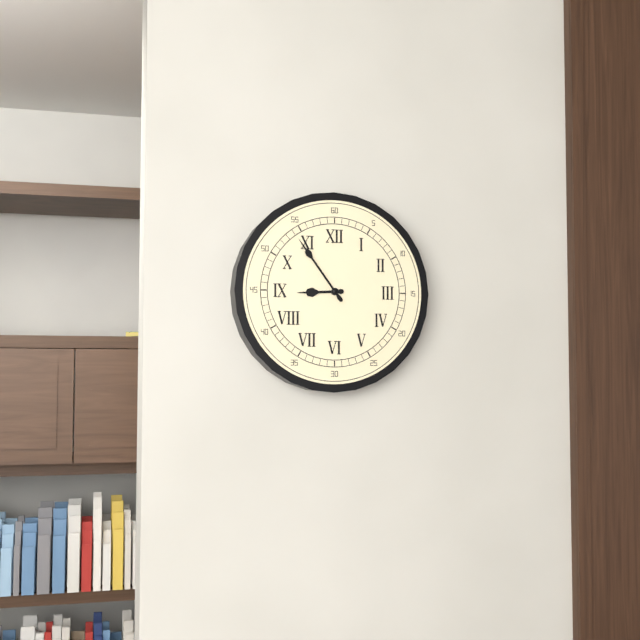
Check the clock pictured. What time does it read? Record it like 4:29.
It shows 8:54
